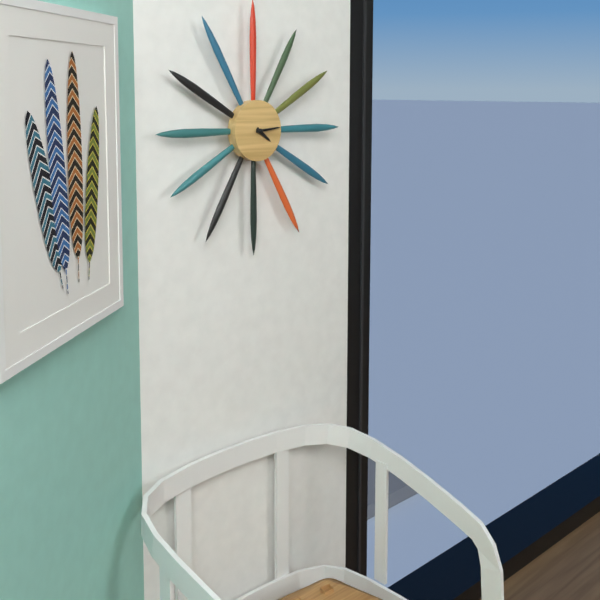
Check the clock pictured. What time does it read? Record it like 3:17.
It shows 4:14
